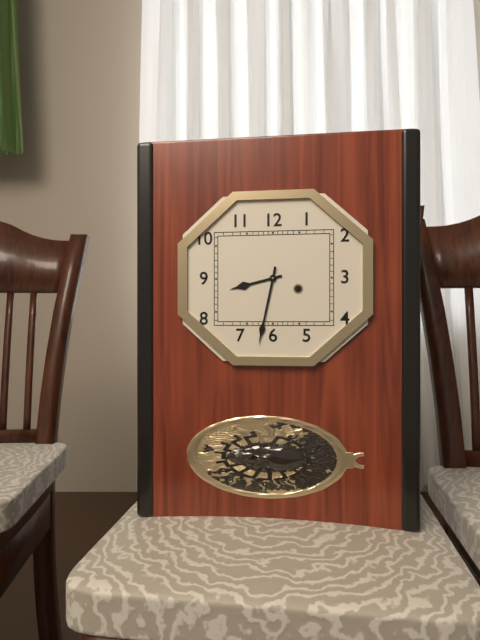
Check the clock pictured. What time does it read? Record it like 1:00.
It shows 8:32
